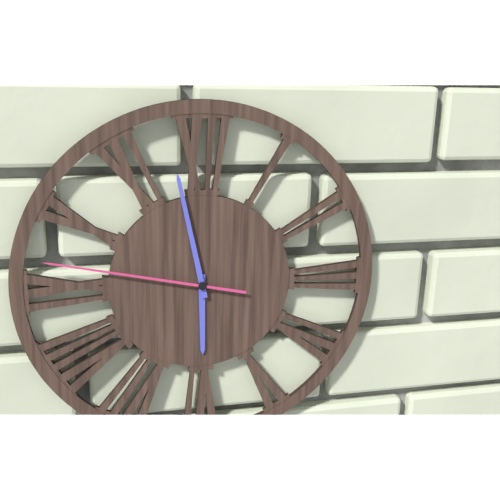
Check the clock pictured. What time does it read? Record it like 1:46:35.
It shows 5:58:47
